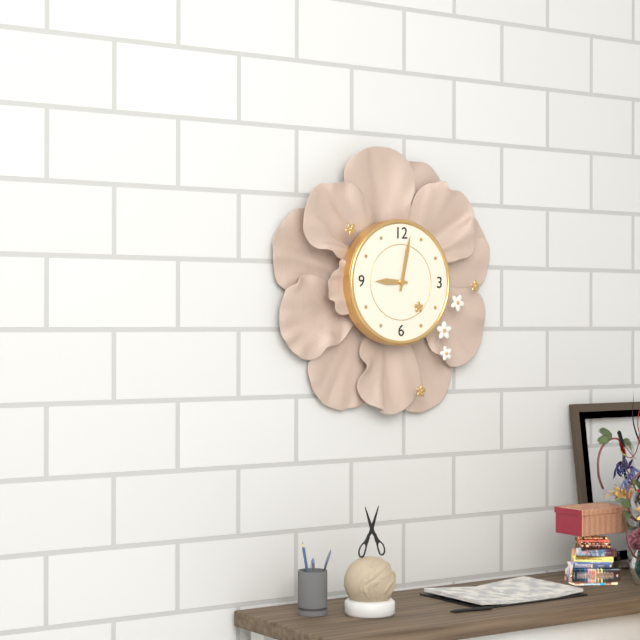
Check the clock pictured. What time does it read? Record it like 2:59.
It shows 9:02
